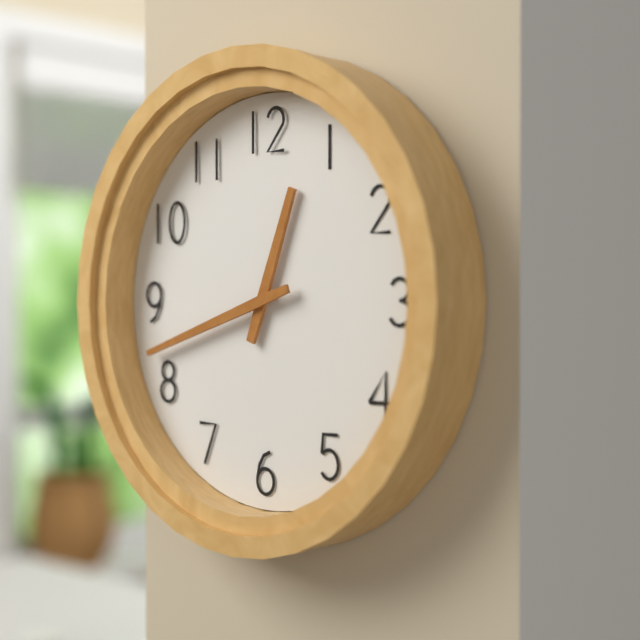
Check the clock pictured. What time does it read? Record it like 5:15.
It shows 12:42
